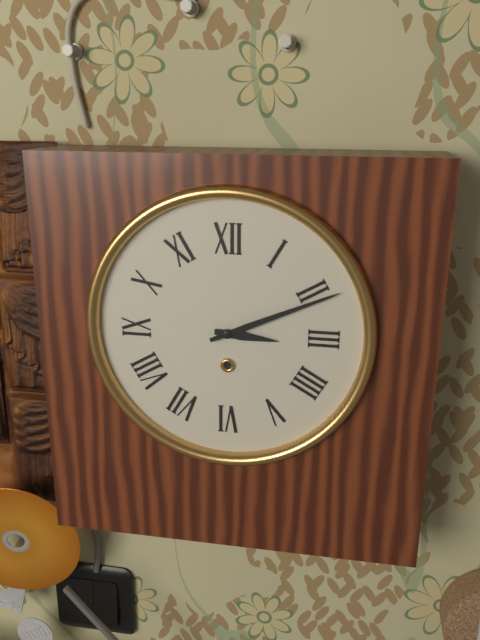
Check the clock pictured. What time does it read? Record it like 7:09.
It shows 3:11
